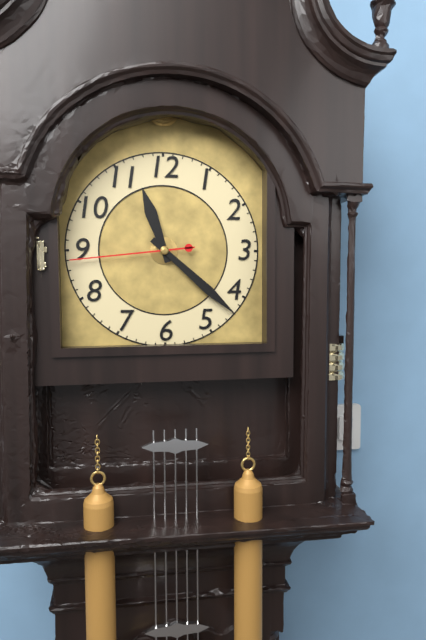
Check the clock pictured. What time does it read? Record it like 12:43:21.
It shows 11:22:44
